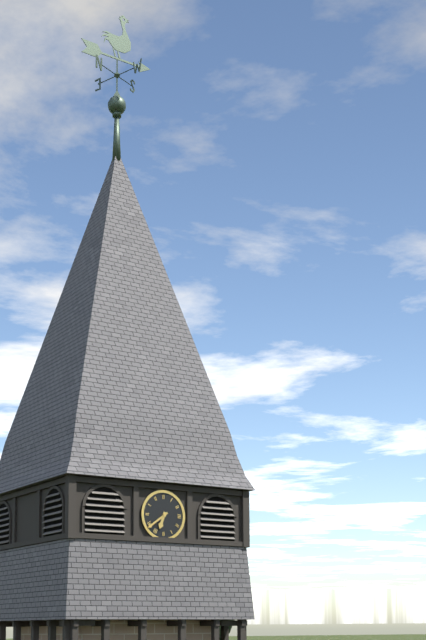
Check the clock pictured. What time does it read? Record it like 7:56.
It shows 6:39
